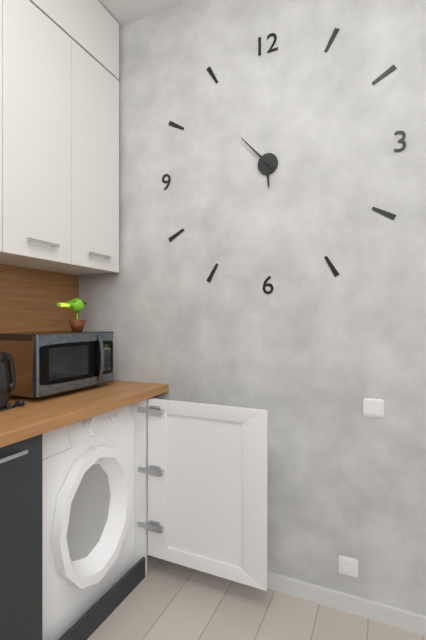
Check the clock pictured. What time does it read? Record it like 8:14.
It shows 5:53
